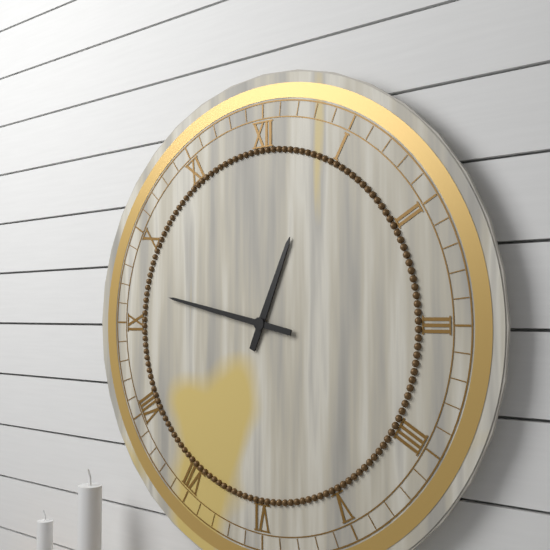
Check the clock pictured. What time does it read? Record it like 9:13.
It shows 12:47
